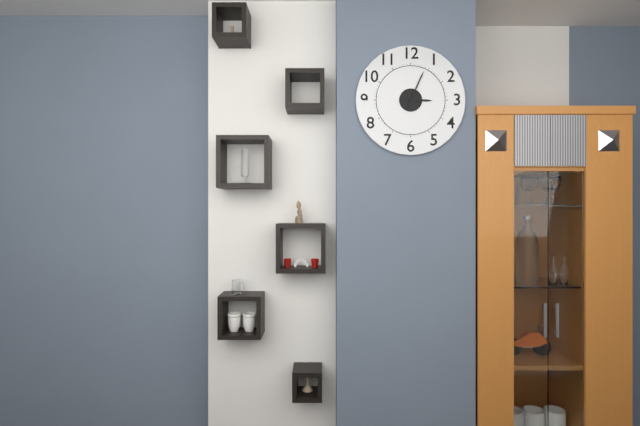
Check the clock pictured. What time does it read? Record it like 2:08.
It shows 3:04
